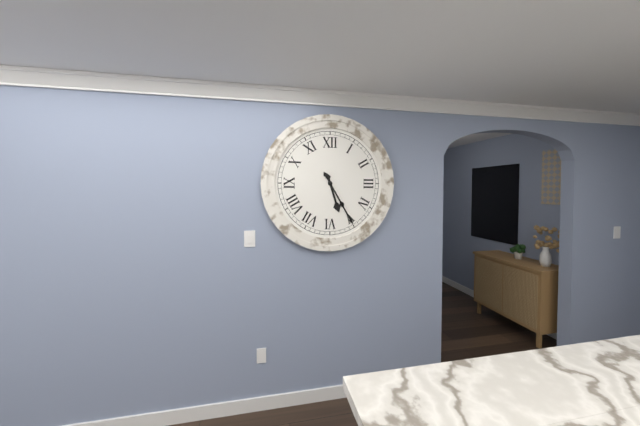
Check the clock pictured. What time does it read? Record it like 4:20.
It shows 5:25
